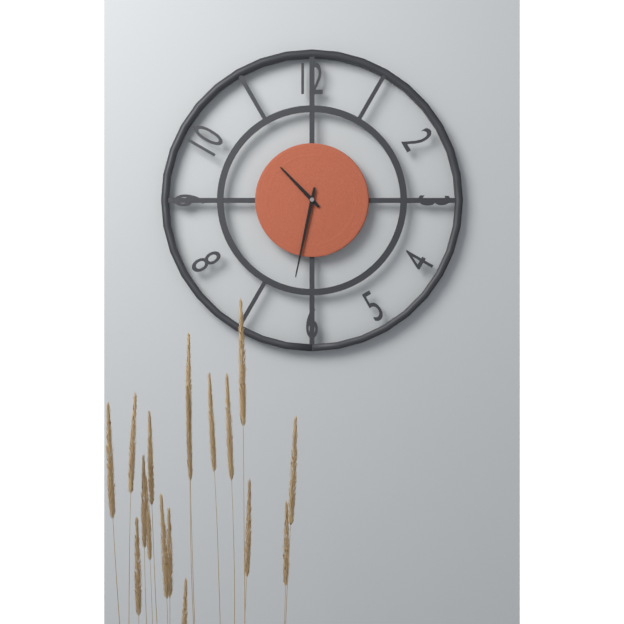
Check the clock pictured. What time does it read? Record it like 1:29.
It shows 10:32
